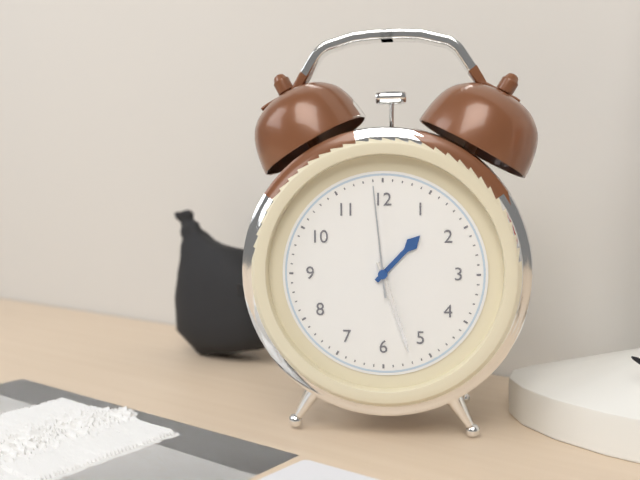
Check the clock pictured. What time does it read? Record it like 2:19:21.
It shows 1:27:59
